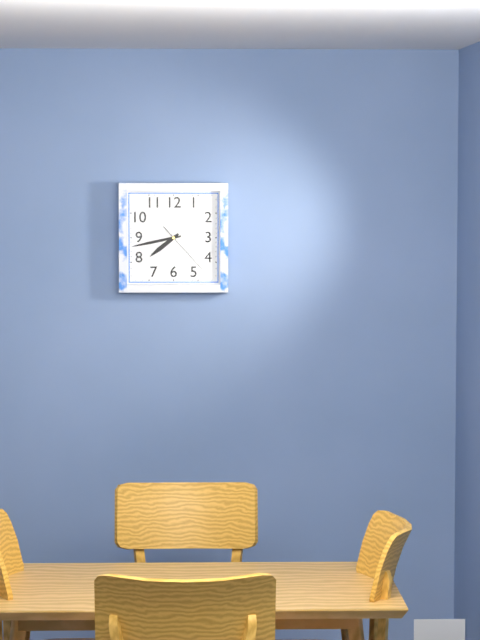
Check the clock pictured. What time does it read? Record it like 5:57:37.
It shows 7:43:23
